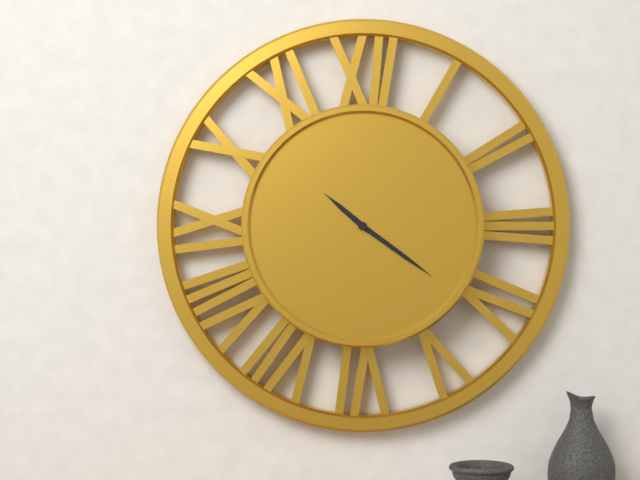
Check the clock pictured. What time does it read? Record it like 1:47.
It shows 10:21
